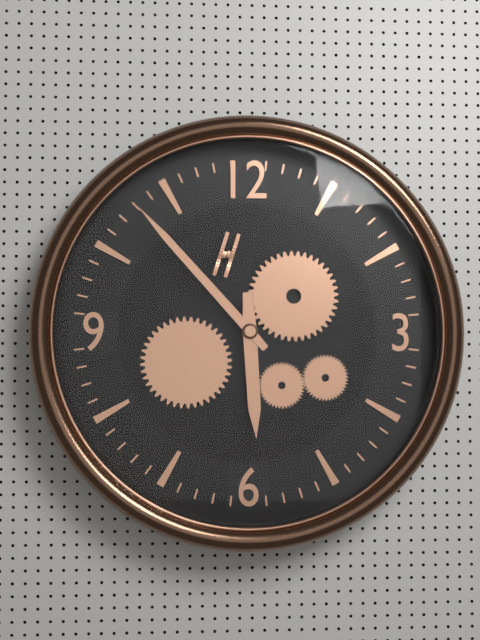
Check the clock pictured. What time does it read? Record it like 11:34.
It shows 5:53
